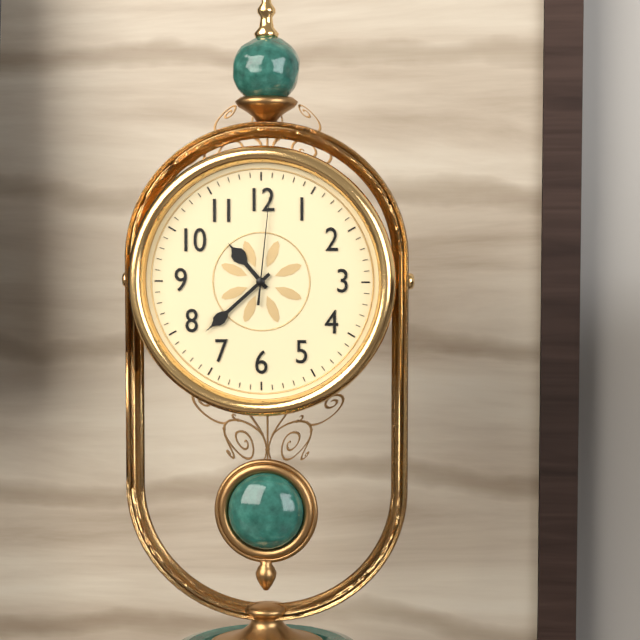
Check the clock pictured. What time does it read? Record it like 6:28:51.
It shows 10:38:01
